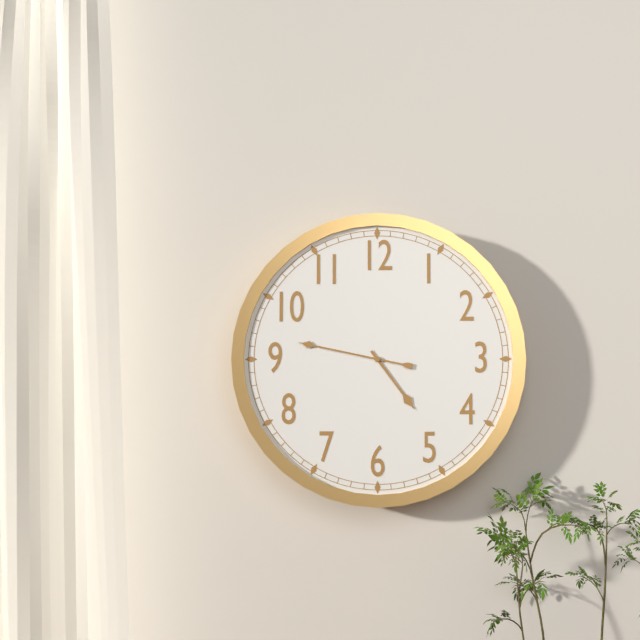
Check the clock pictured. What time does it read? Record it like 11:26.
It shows 4:47
